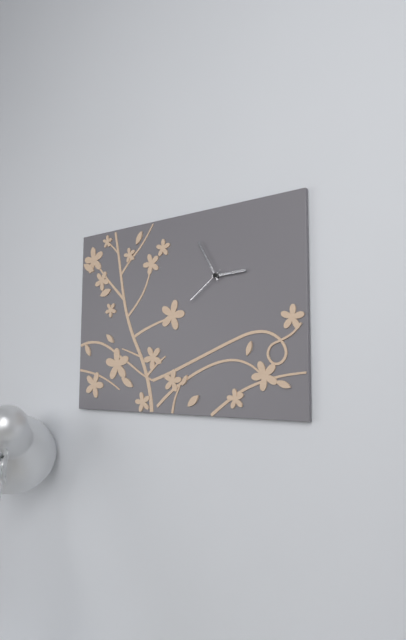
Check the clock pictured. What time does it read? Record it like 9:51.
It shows 2:55
